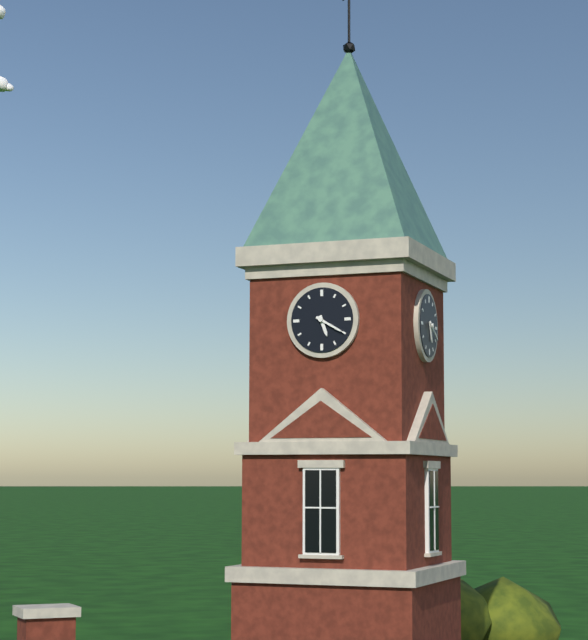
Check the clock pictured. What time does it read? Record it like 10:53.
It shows 5:20
